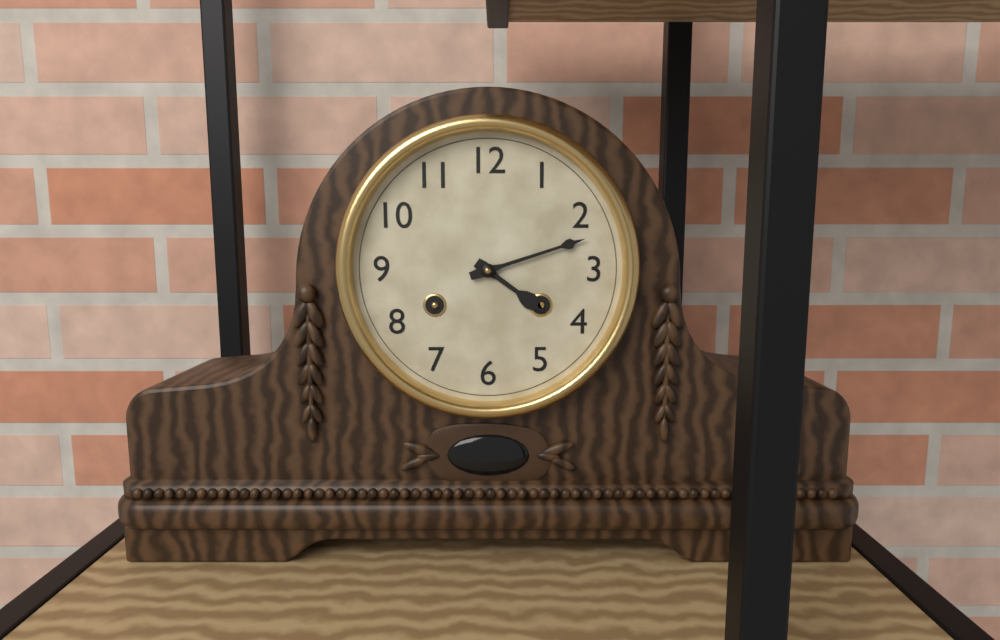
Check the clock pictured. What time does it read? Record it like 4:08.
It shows 4:12
